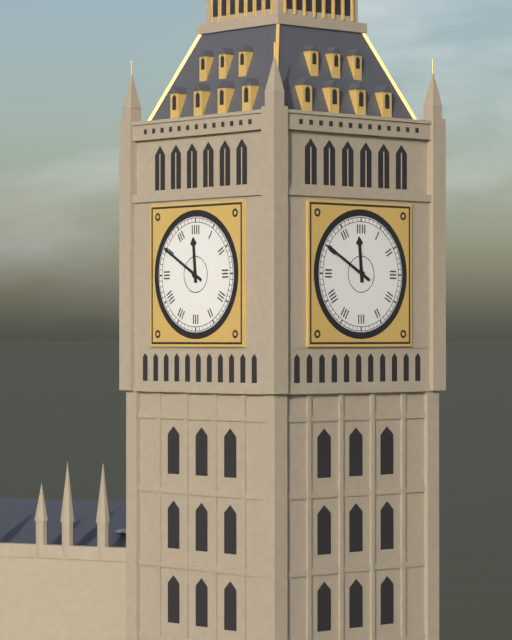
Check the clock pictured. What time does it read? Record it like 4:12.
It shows 11:50
